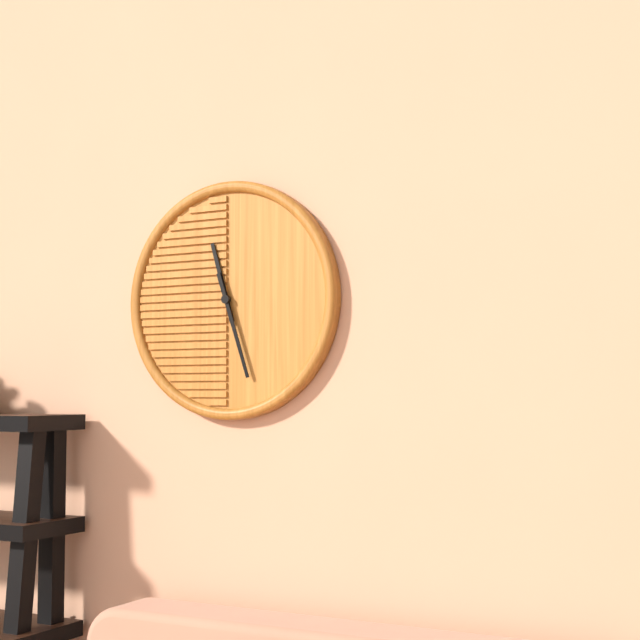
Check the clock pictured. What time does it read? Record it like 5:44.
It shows 11:27
